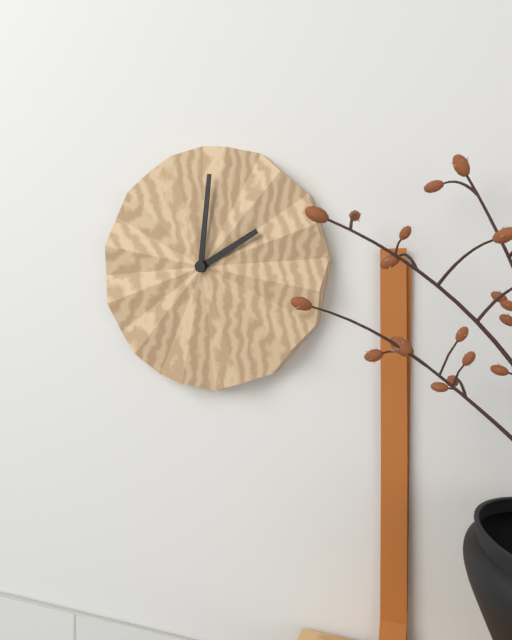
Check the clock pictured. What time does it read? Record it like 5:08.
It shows 2:01
